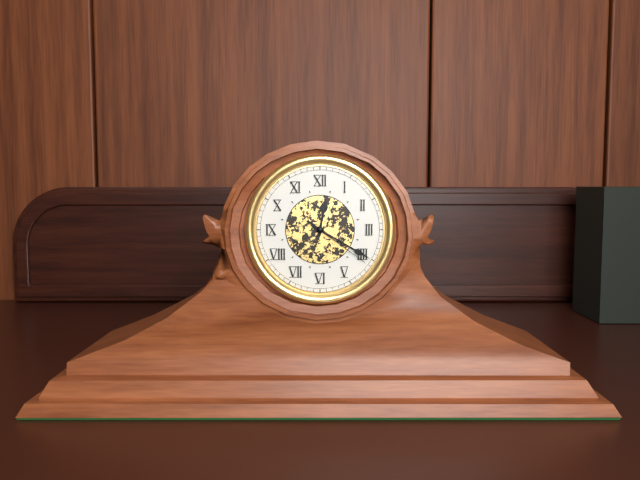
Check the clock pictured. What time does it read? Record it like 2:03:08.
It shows 12:20:21
